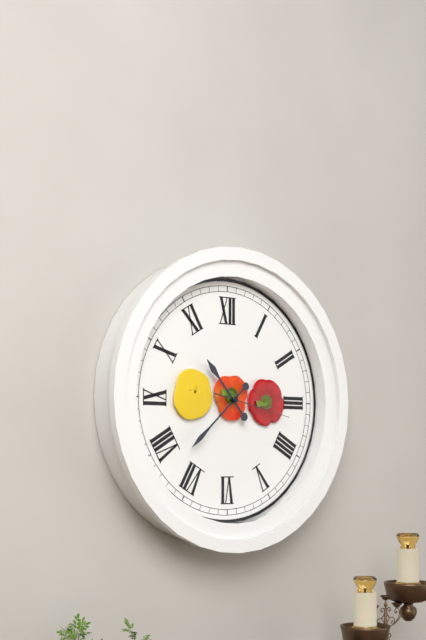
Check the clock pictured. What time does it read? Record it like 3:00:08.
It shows 10:38:17
